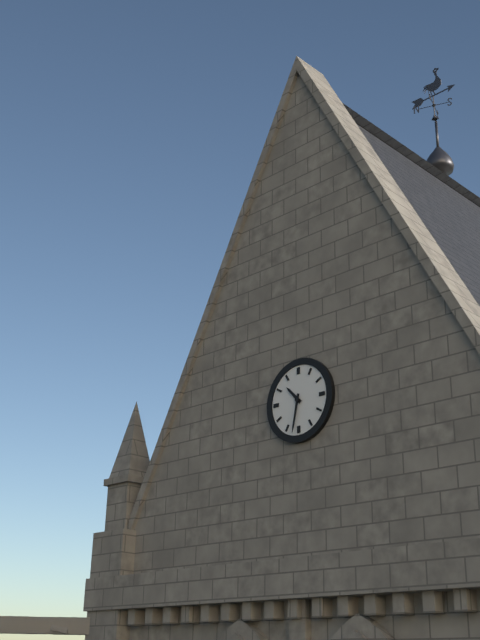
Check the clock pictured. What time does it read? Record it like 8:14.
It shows 10:32
